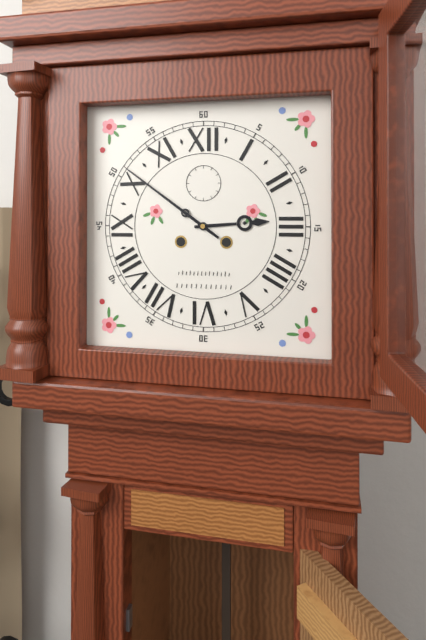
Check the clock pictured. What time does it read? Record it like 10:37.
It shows 2:51
